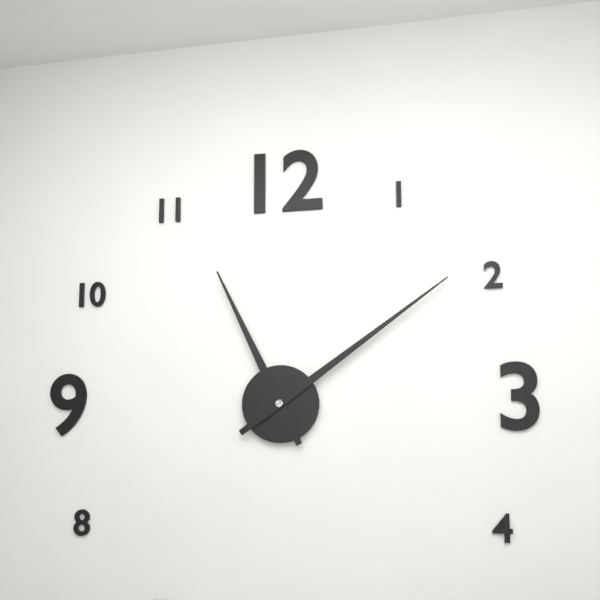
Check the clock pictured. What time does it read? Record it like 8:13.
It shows 11:09
